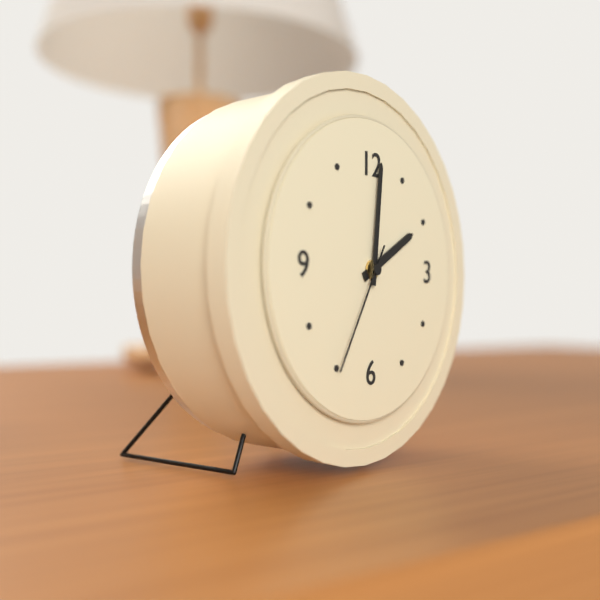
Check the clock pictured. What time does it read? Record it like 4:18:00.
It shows 2:01:35
